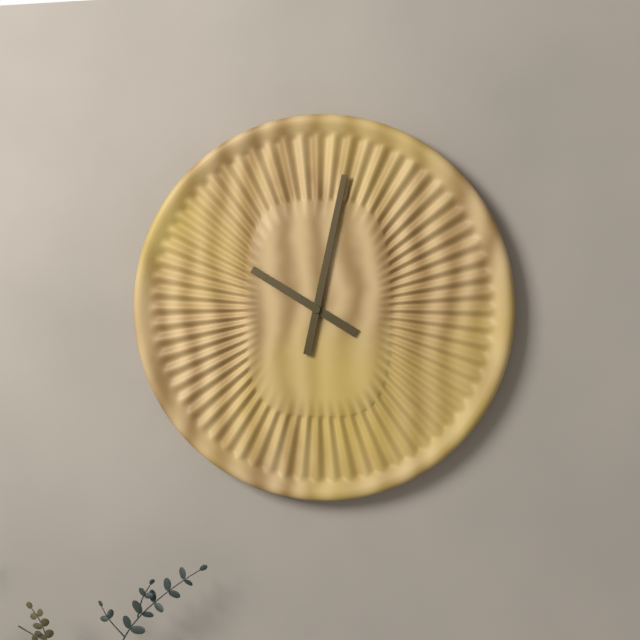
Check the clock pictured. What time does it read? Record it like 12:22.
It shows 10:02
